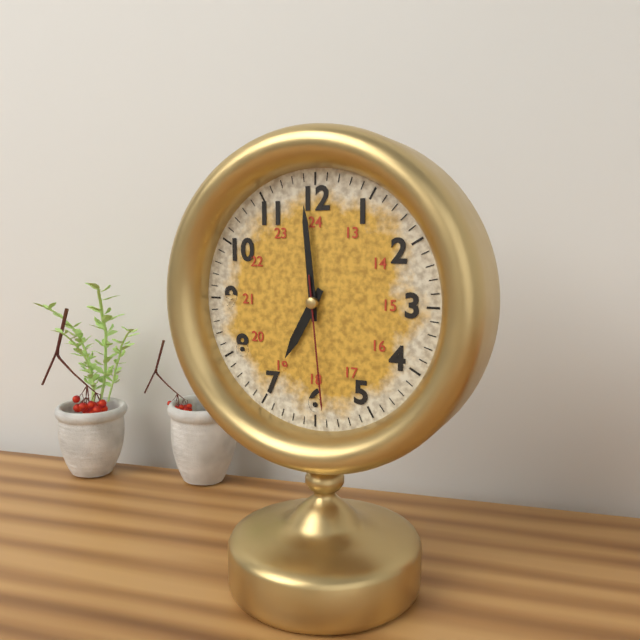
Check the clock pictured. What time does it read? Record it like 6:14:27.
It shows 6:59:29
